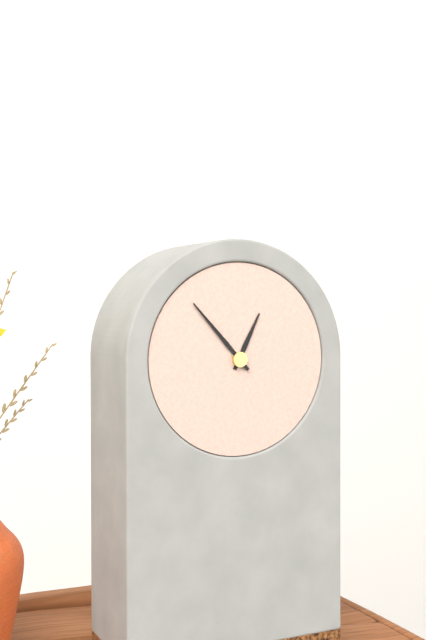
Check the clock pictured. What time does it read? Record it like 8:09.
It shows 12:53
